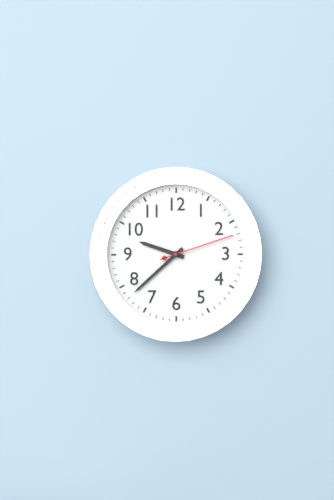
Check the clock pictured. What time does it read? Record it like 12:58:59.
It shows 9:38:12
